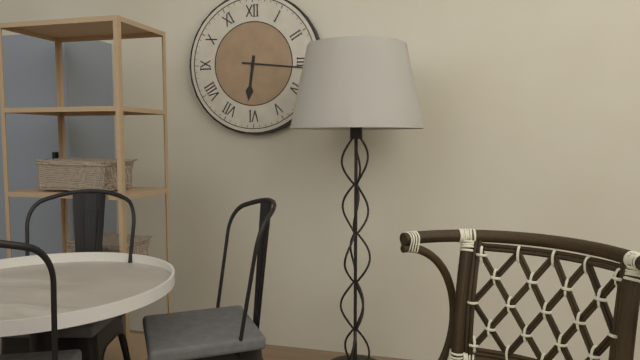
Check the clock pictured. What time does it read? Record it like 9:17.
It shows 6:16
